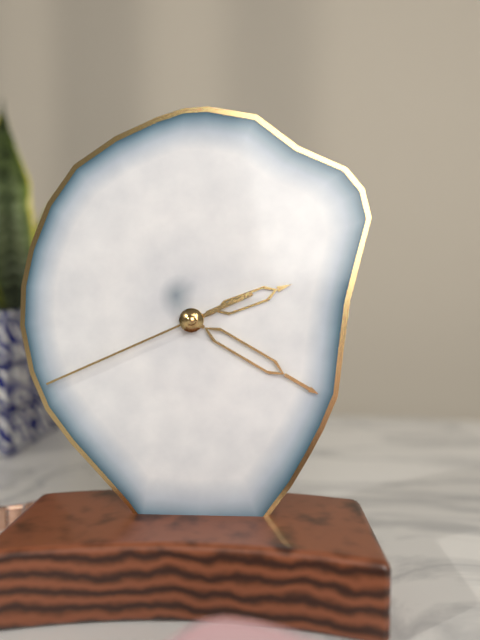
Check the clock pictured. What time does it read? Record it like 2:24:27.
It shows 2:20:41
